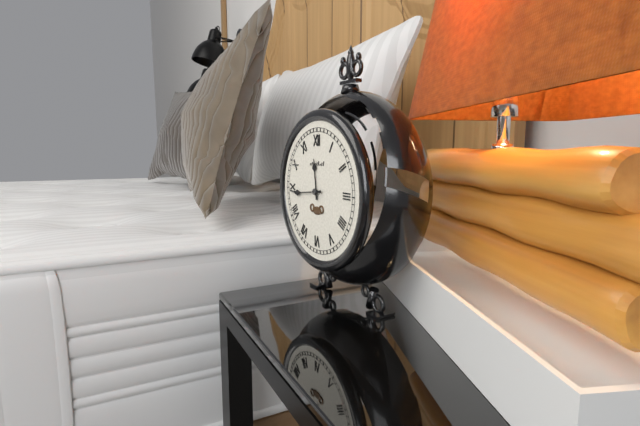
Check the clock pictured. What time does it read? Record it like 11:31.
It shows 11:44
